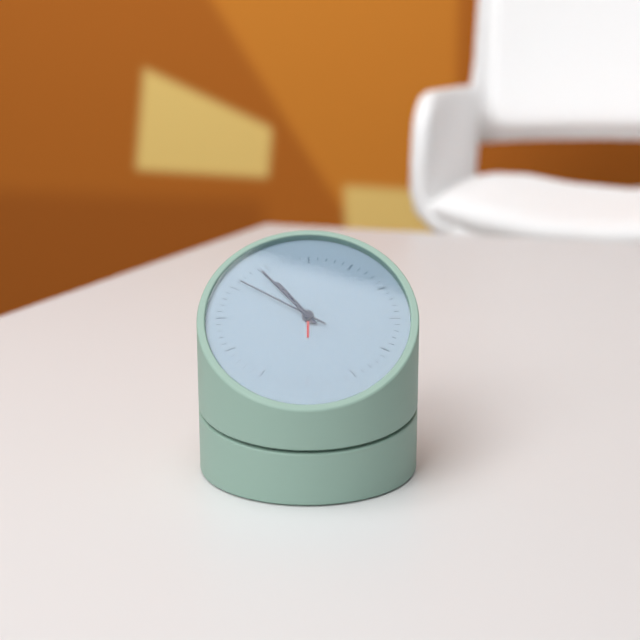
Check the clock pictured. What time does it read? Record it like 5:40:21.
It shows 10:54:51
